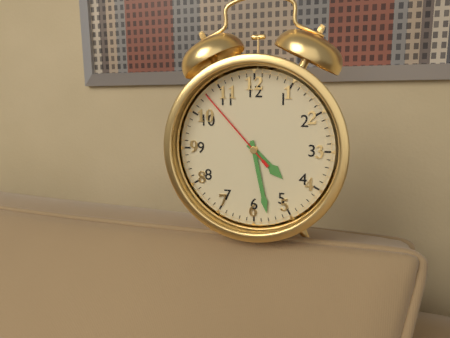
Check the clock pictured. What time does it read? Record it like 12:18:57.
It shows 4:28:53
